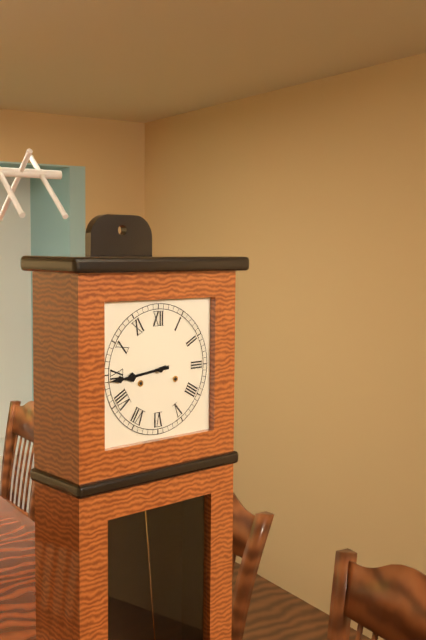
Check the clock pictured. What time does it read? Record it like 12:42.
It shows 8:44
